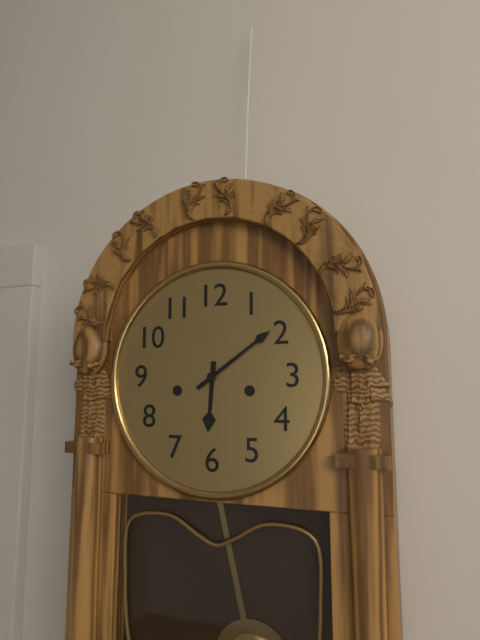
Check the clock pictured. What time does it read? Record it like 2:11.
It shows 6:09
